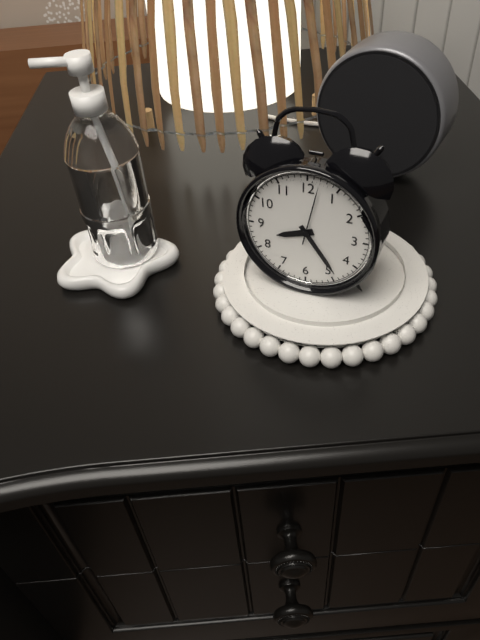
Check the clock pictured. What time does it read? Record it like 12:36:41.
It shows 8:24:02
